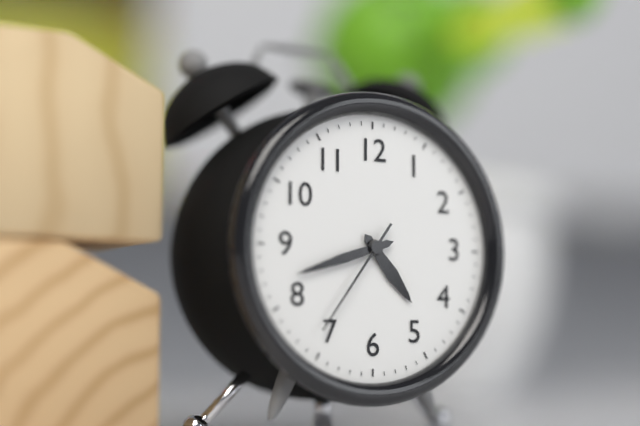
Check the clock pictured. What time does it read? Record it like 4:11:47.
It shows 4:42:36
